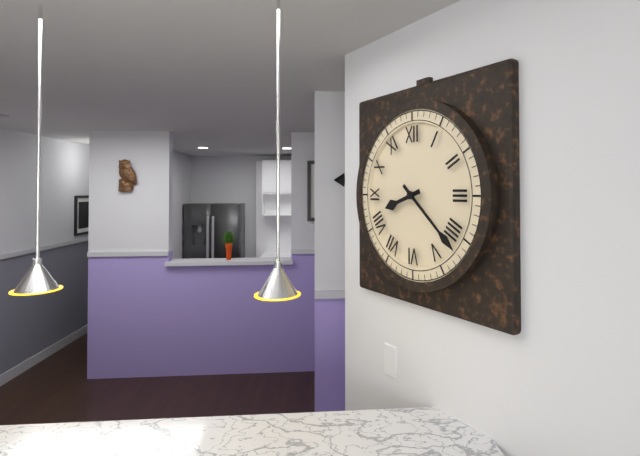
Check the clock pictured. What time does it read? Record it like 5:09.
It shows 8:22
